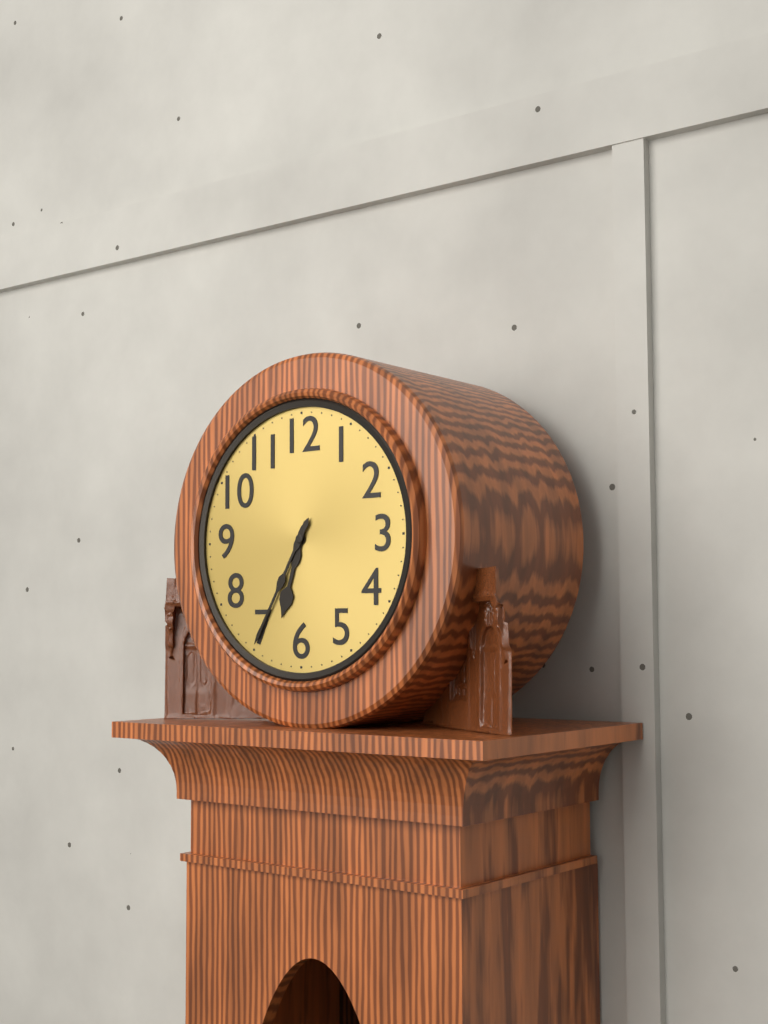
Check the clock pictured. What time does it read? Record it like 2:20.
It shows 6:35
